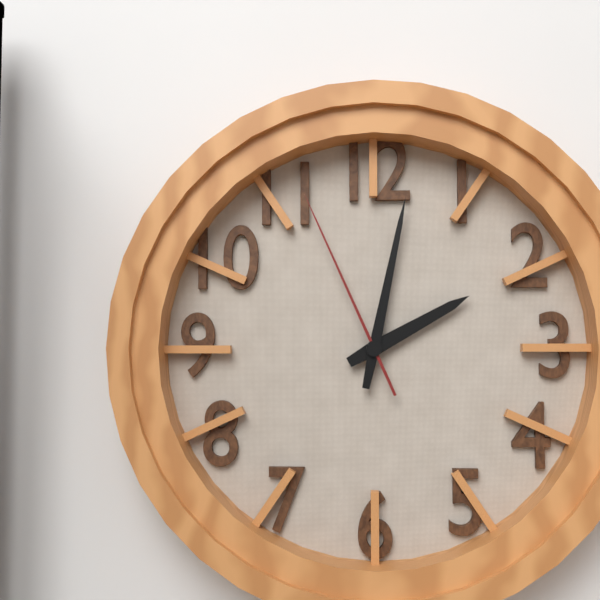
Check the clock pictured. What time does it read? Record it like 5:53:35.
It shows 2:02:56
